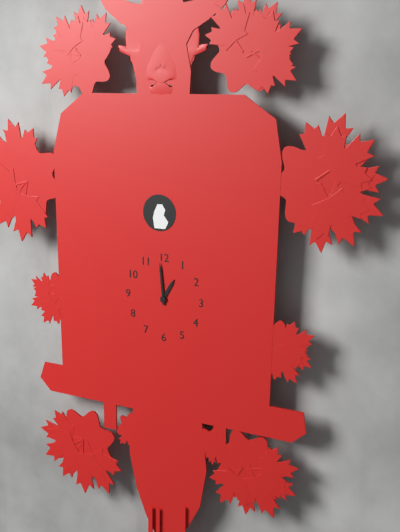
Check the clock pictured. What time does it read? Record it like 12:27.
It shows 12:59
